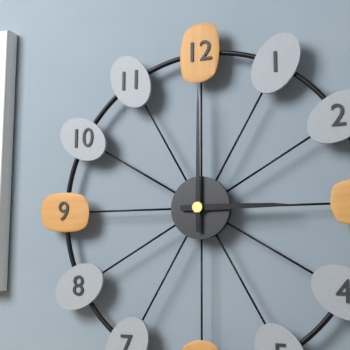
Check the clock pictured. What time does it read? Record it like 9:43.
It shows 3:00
